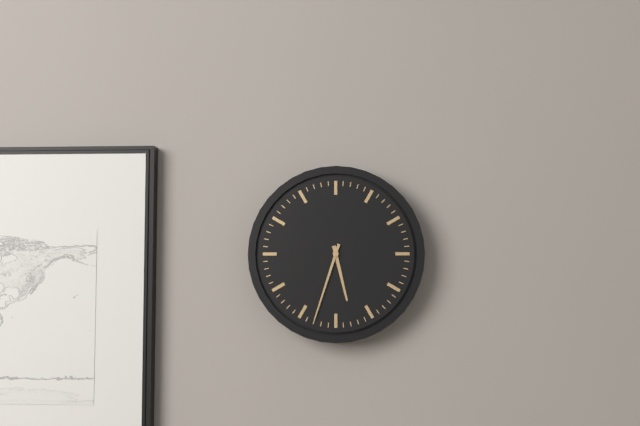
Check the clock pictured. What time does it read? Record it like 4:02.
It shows 5:33
